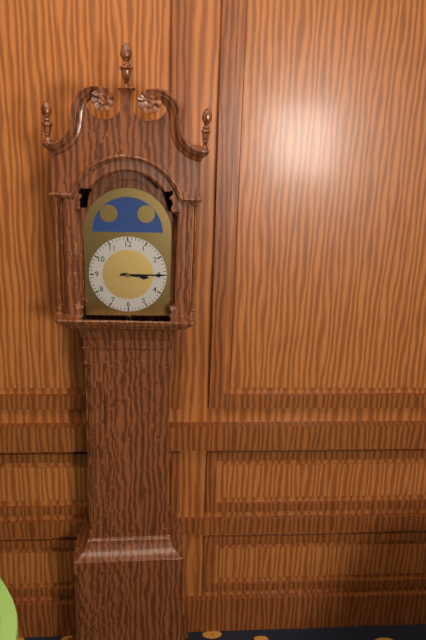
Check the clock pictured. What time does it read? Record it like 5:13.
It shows 3:15
